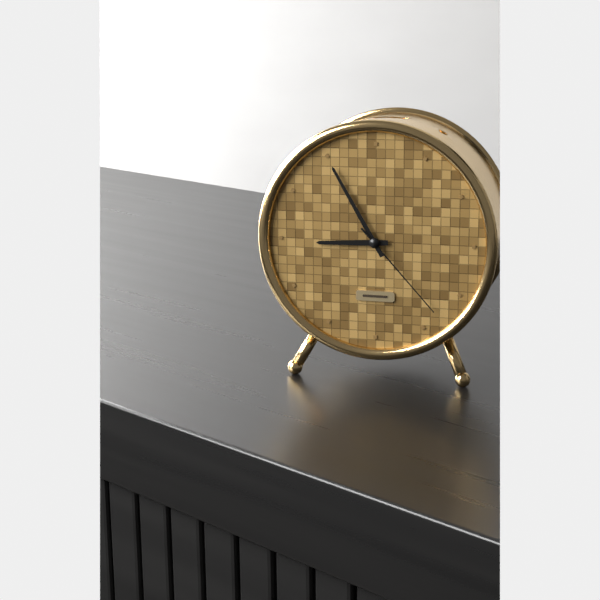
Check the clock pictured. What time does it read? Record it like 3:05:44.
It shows 8:55:23
